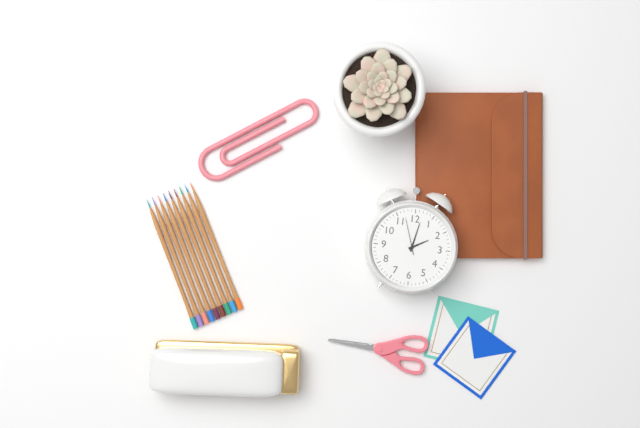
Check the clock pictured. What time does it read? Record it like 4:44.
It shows 2:02
